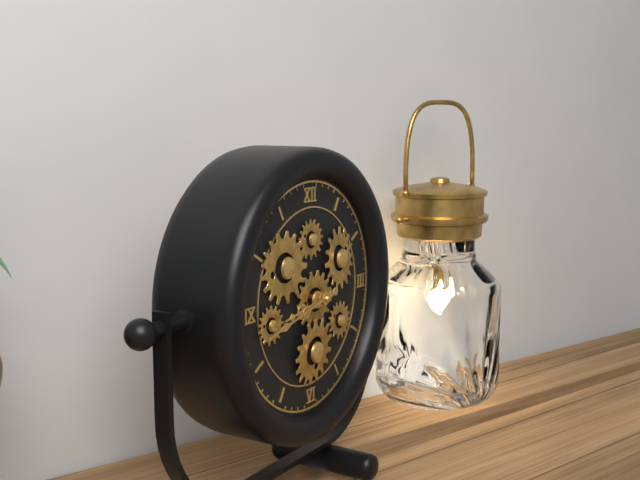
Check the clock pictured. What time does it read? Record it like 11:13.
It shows 8:43
